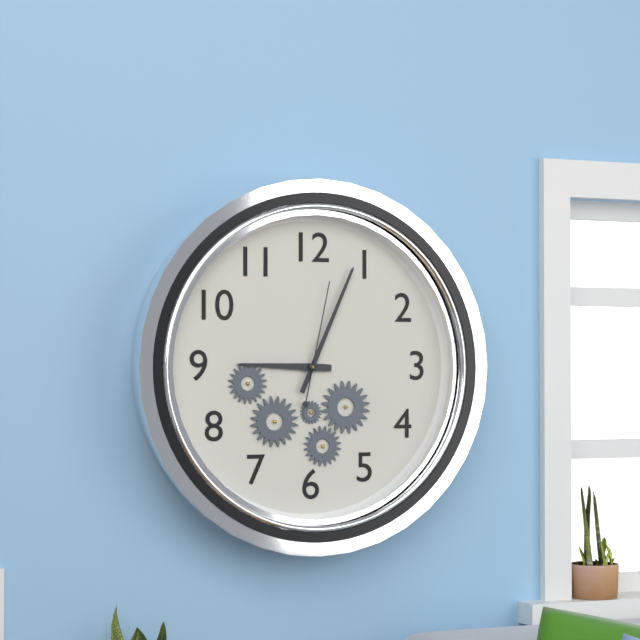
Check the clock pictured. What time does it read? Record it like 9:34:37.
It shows 9:04:02
